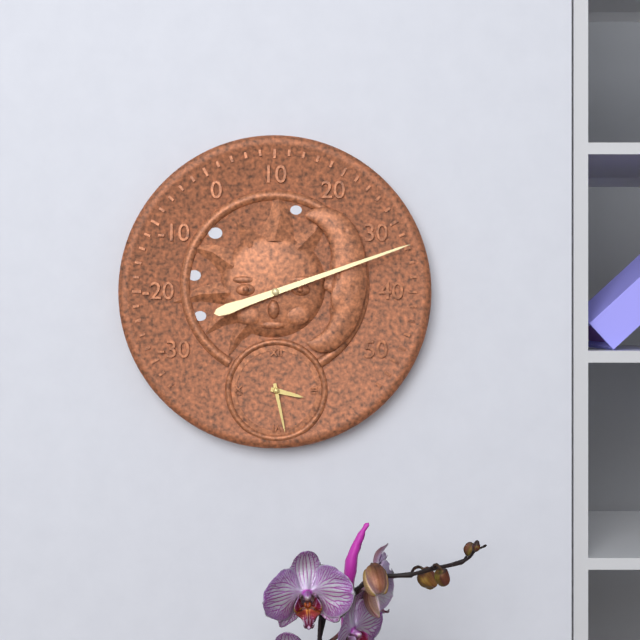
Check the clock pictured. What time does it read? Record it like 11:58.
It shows 3:28
